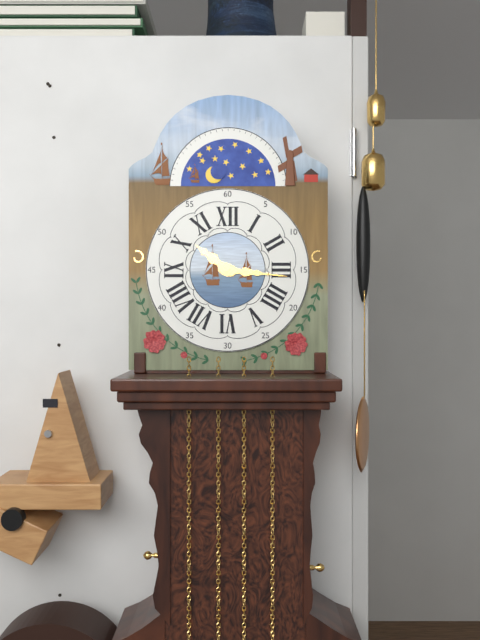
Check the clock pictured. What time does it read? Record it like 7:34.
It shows 10:16
